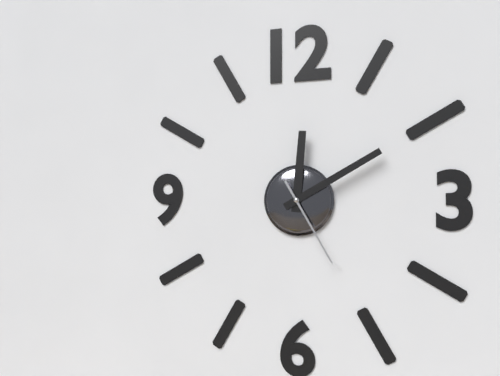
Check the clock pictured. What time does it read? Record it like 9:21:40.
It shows 12:10:25
